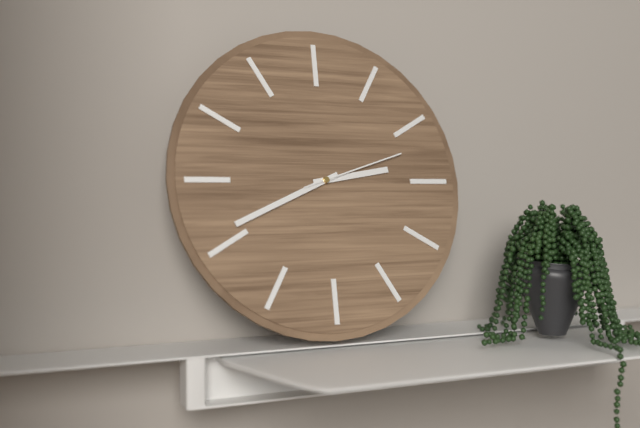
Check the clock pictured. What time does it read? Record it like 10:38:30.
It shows 2:41:12
